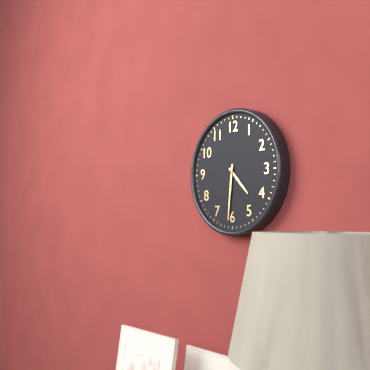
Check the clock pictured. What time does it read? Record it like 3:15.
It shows 4:31
